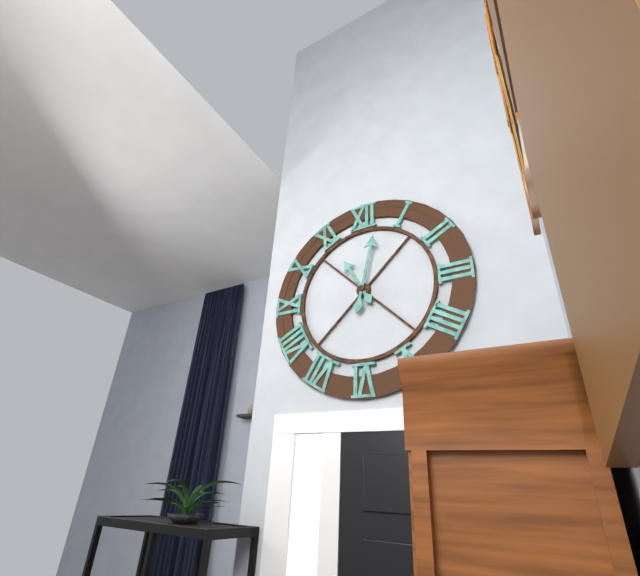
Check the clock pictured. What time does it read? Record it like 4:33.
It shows 11:02
